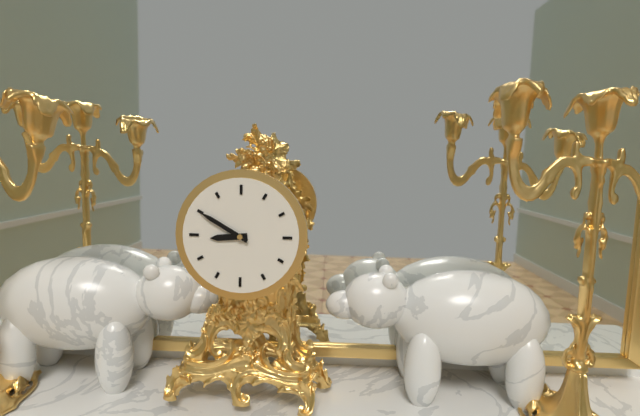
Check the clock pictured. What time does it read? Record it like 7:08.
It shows 8:50
